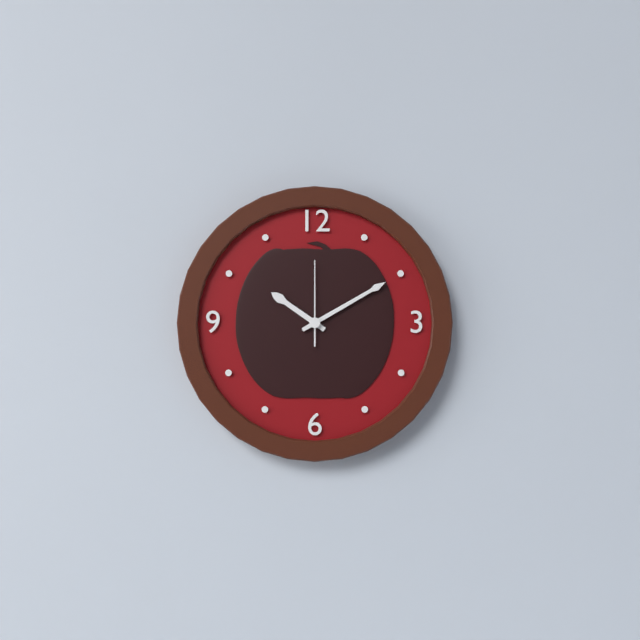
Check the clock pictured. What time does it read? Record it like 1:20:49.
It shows 10:10:00
